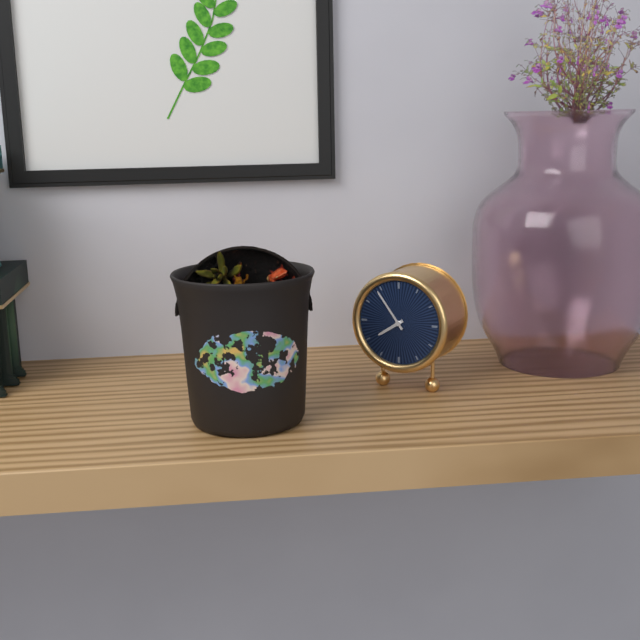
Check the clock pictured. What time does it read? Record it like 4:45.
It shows 7:54
